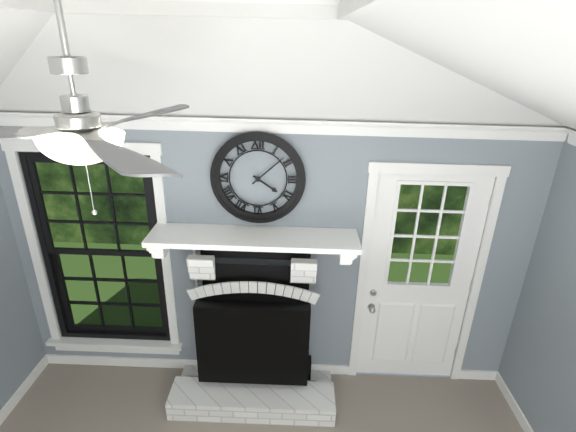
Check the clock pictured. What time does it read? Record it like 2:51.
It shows 4:08
